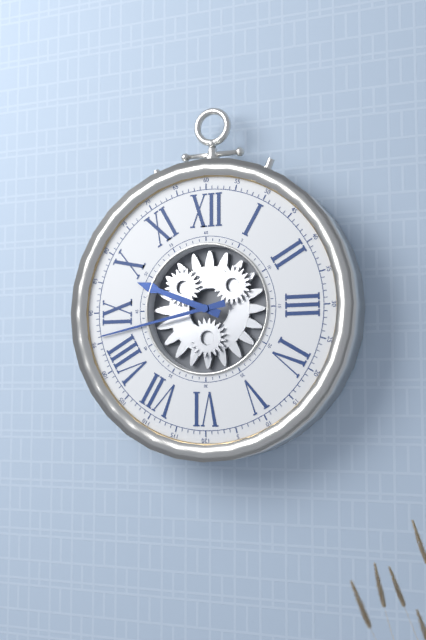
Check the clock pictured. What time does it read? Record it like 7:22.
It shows 9:43
